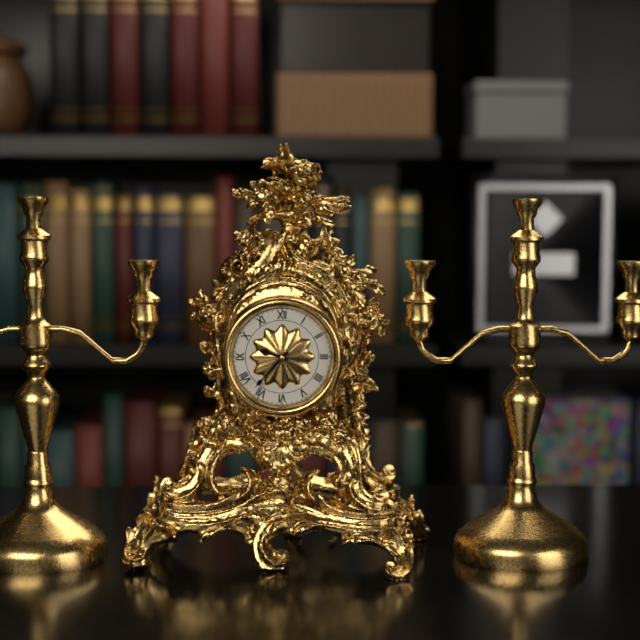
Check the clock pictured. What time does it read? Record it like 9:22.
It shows 9:37
